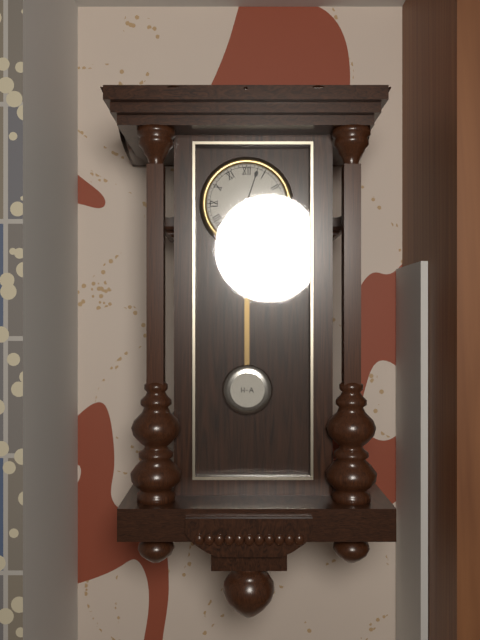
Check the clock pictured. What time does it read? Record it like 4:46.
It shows 3:03
